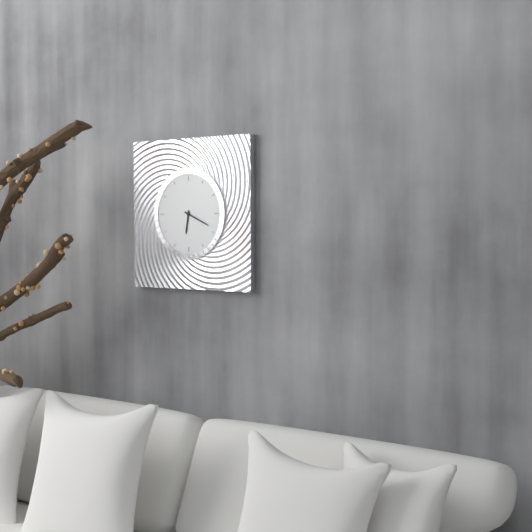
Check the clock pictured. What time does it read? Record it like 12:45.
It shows 6:19
